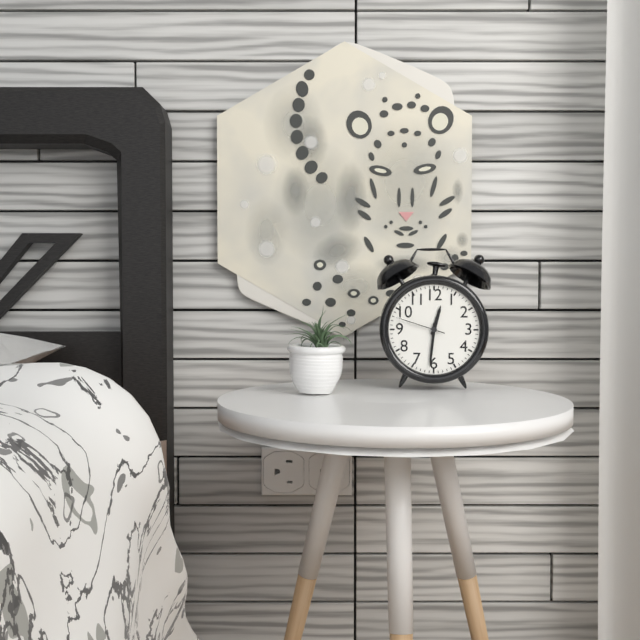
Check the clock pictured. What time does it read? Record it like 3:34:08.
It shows 12:31:48
